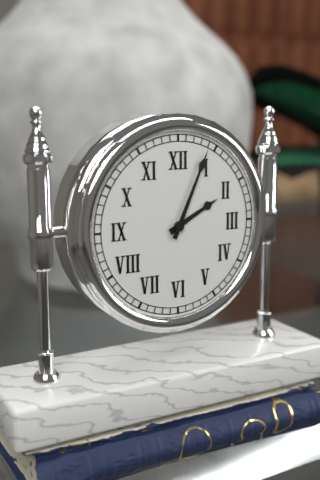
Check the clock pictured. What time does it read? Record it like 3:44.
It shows 2:04
